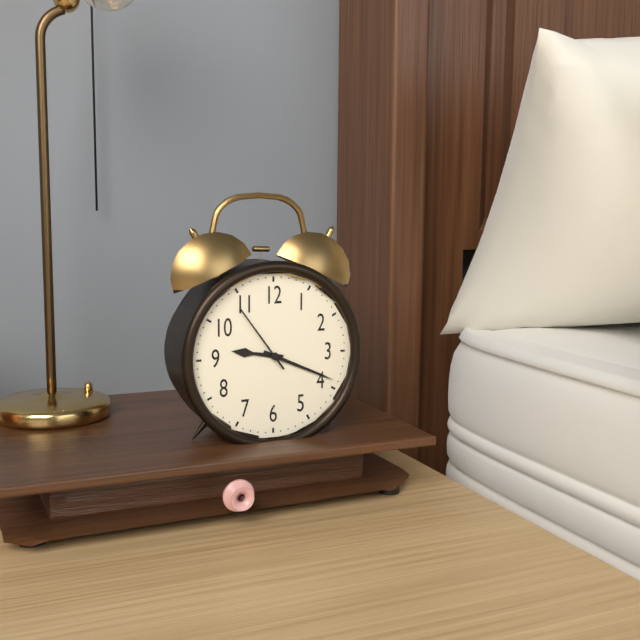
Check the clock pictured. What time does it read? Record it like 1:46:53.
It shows 9:19:54
